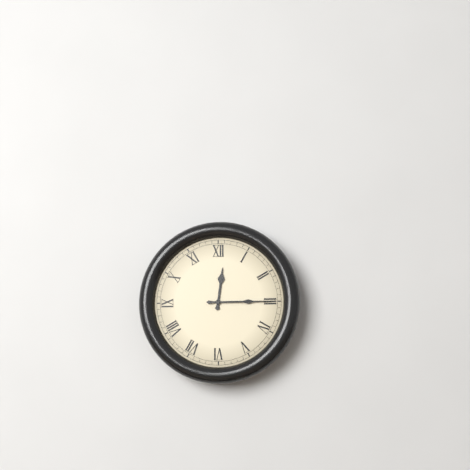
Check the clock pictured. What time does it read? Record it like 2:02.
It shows 12:15
